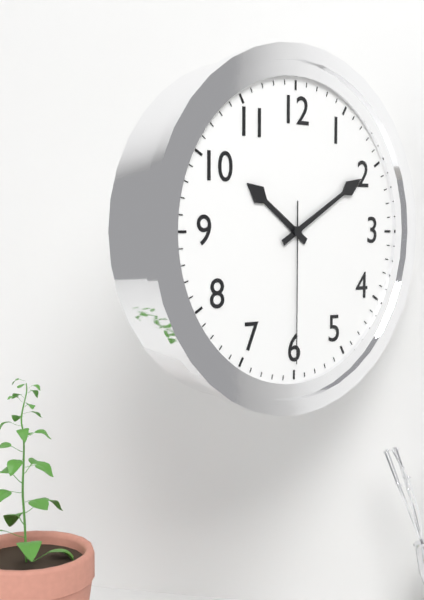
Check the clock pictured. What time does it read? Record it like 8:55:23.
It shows 10:10:30
